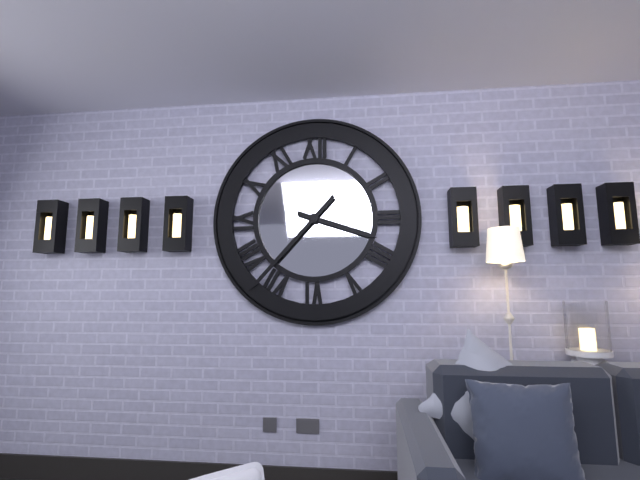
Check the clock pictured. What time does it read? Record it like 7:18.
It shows 3:37
